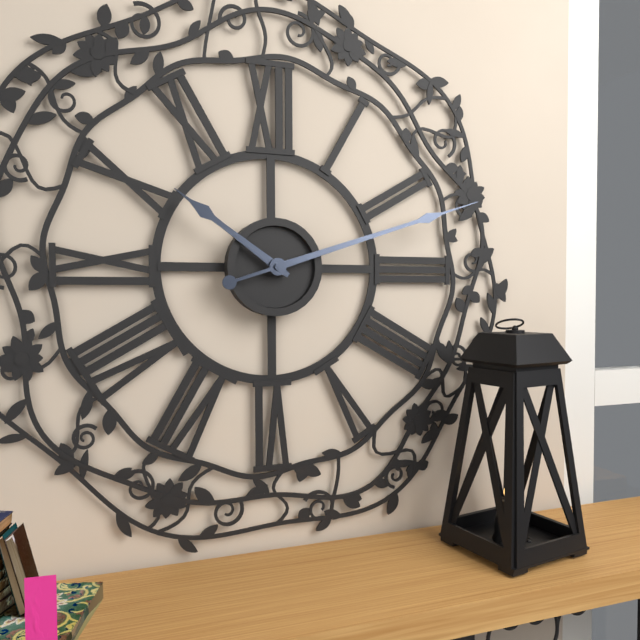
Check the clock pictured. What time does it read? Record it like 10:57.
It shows 10:12
